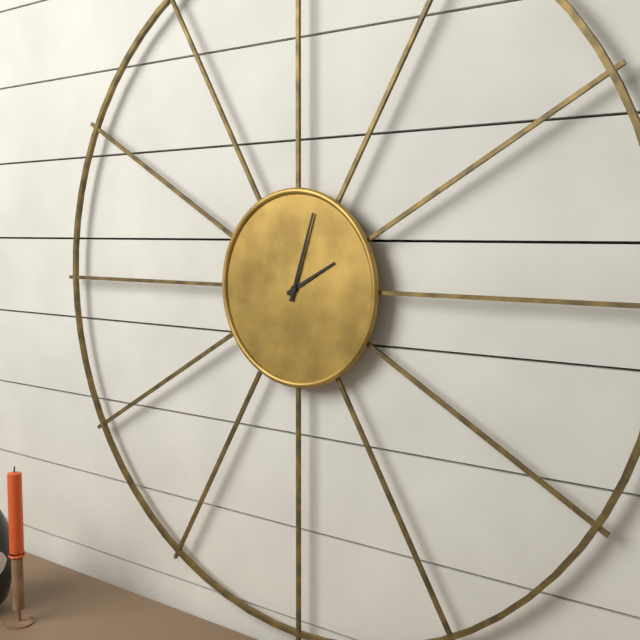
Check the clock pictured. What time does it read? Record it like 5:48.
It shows 2:03
